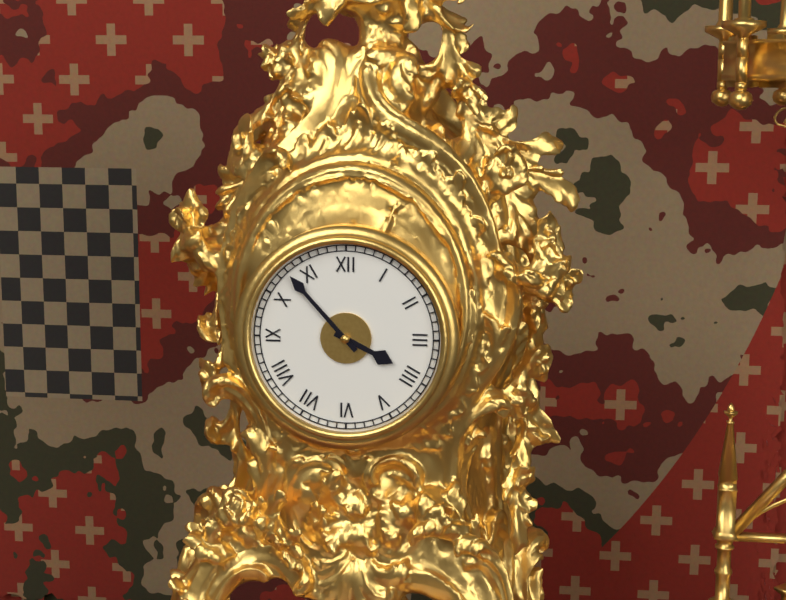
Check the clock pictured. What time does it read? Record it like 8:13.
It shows 3:53
